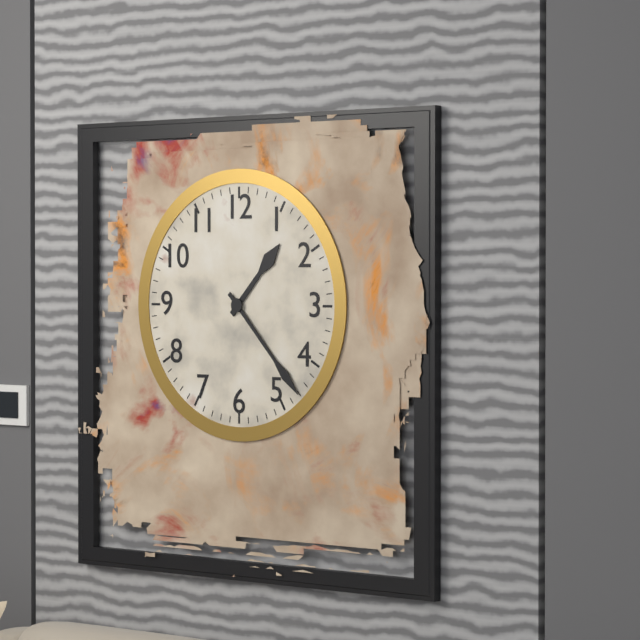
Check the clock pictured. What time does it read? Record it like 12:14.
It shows 1:23
